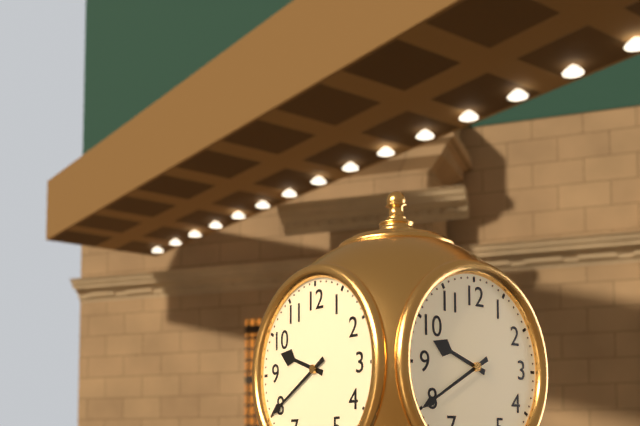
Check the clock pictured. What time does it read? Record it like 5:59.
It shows 9:40
